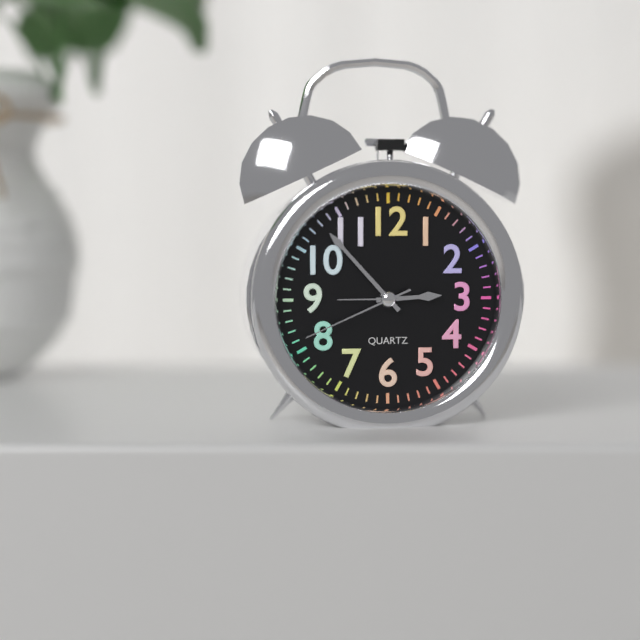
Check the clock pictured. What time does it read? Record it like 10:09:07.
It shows 2:53:41
